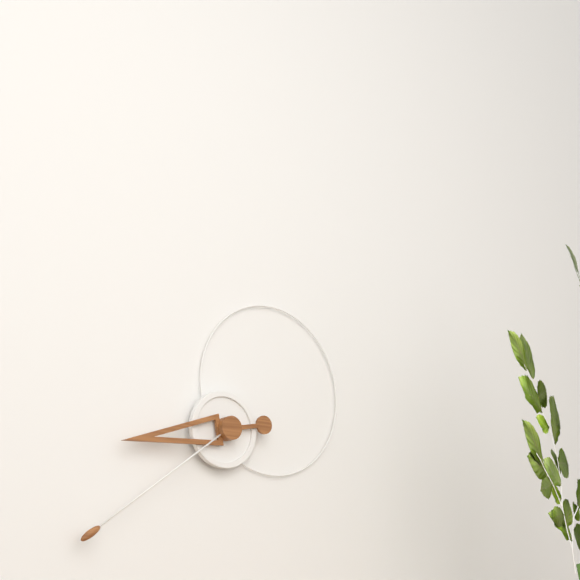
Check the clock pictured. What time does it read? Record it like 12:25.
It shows 8:39
